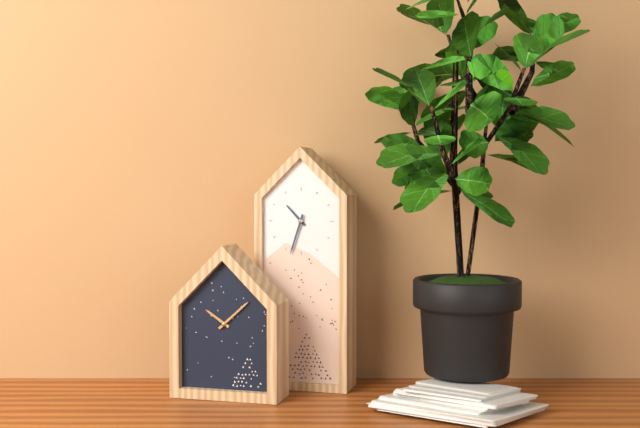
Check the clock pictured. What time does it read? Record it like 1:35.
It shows 10:33
